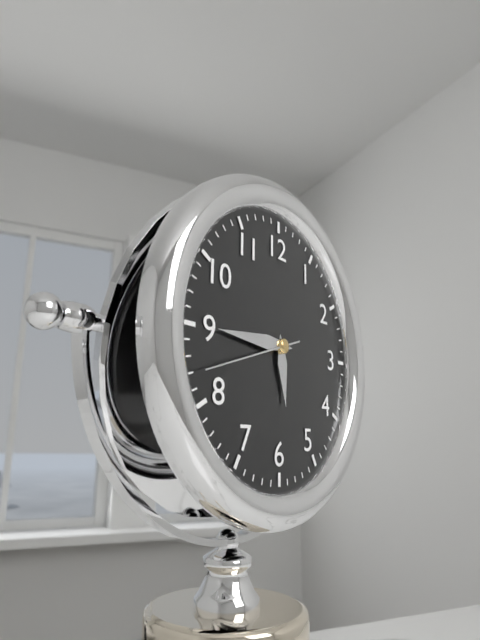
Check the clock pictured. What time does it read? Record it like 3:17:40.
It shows 5:45:42
